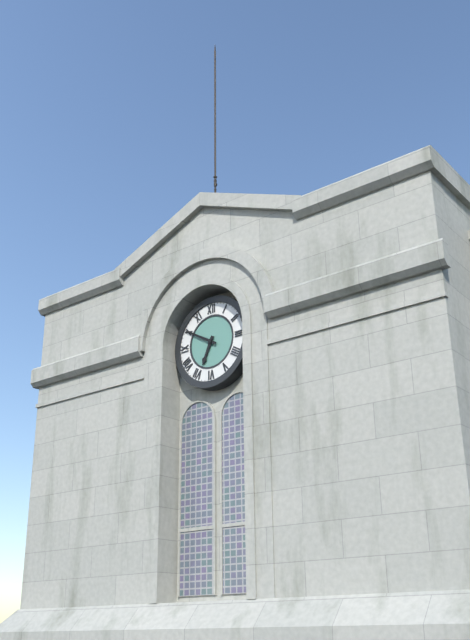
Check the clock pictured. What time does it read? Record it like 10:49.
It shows 6:50
